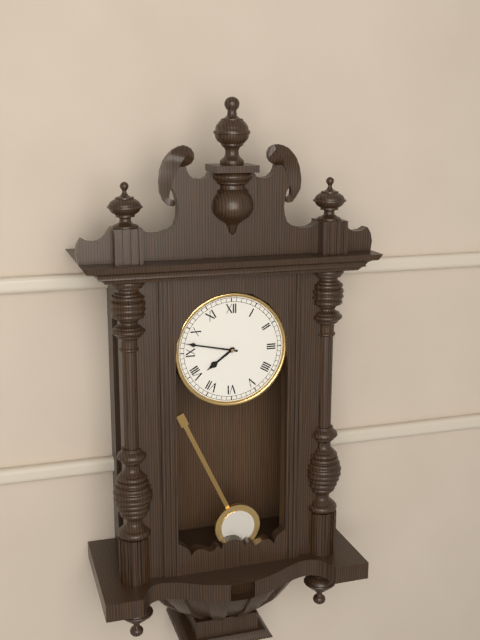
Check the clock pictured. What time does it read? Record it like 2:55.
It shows 7:47
